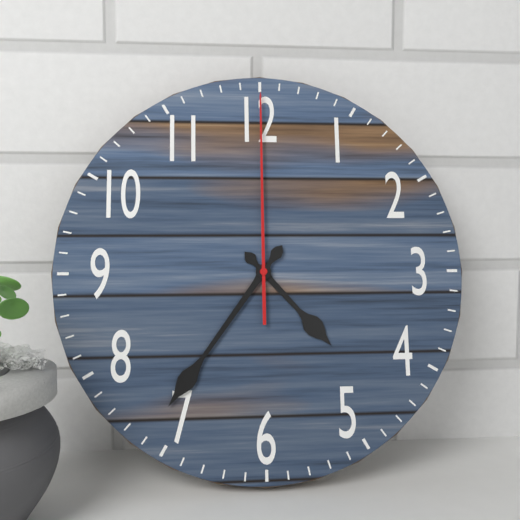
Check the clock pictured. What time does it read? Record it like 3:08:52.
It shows 4:36:00
